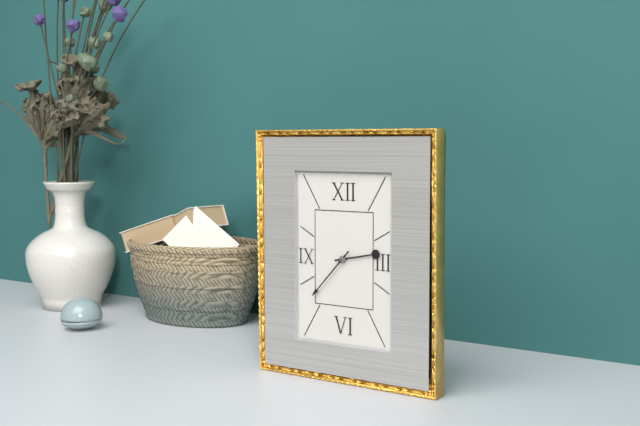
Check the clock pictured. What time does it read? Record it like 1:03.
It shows 2:37
